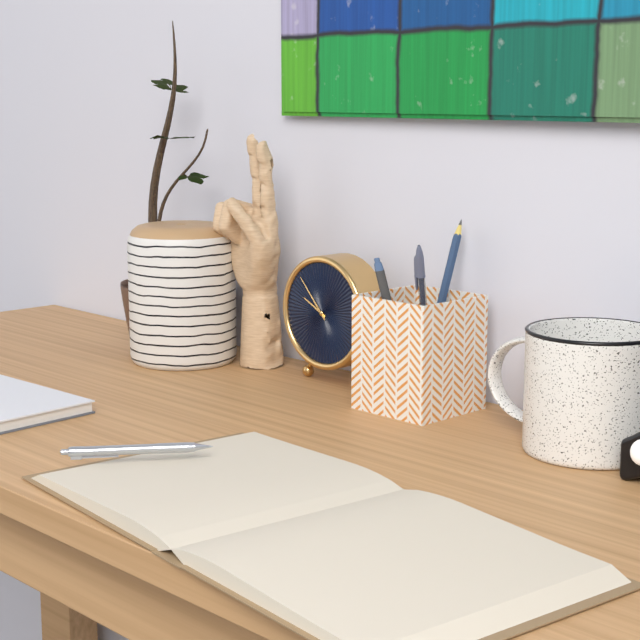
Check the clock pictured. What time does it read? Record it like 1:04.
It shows 9:53
